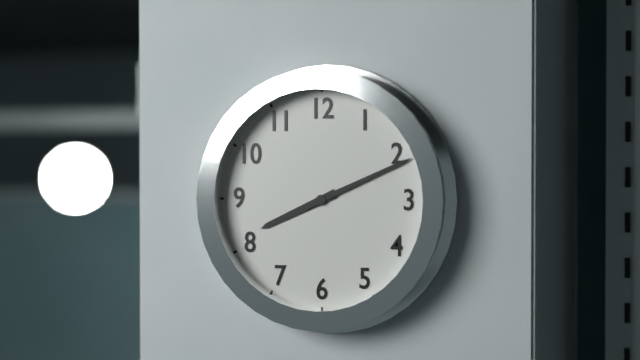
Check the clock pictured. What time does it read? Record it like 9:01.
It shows 8:11
